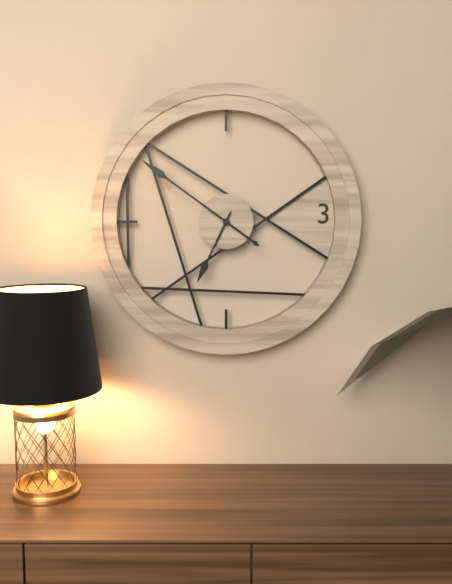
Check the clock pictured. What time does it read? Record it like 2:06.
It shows 6:51
